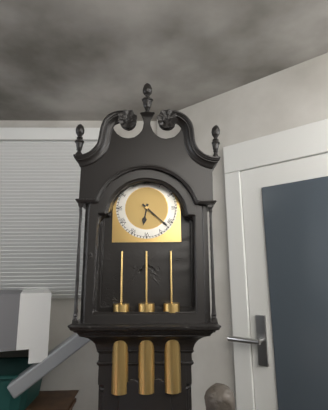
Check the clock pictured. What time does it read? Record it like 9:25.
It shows 6:22
